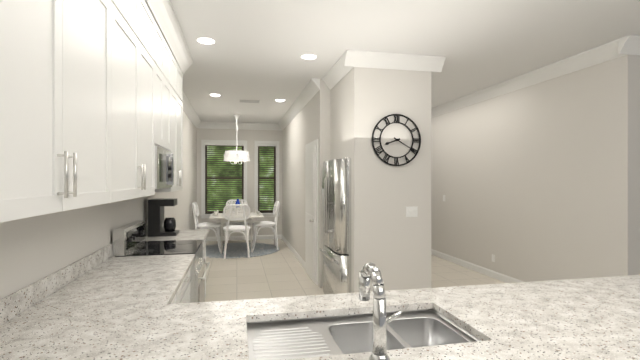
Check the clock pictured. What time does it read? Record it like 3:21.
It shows 8:20
